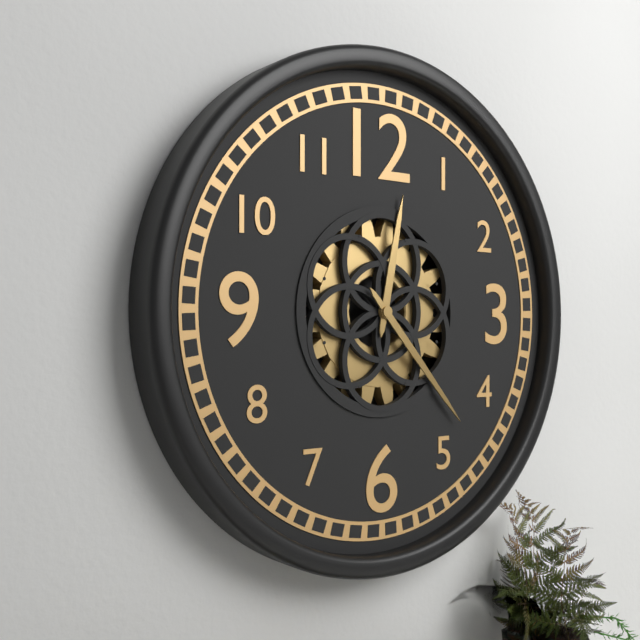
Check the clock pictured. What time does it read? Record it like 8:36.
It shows 12:23
